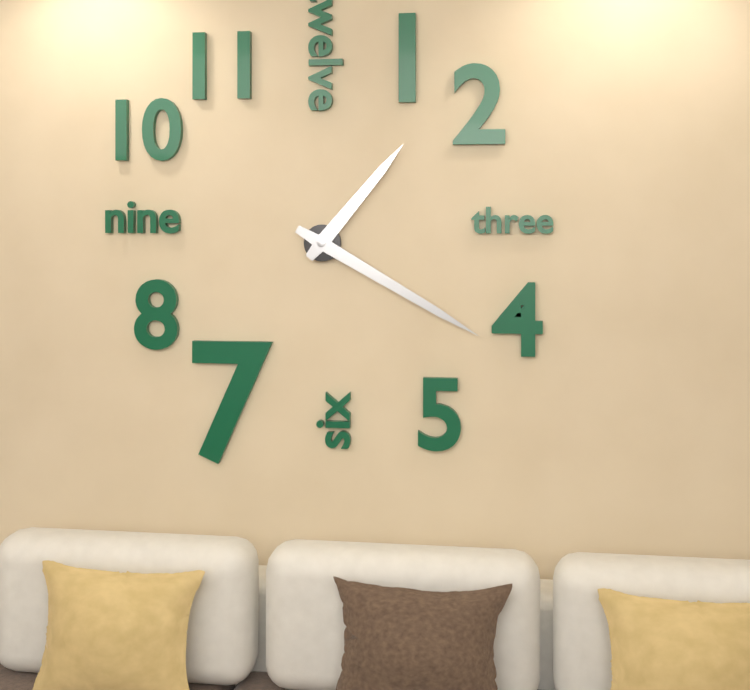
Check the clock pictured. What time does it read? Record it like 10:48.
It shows 1:20
